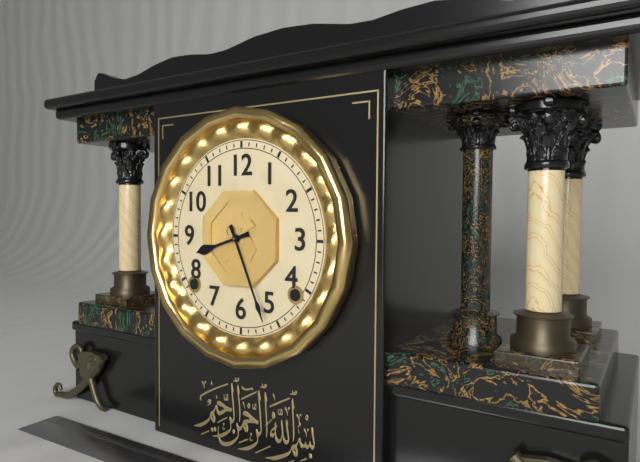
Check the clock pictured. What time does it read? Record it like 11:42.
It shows 8:26
